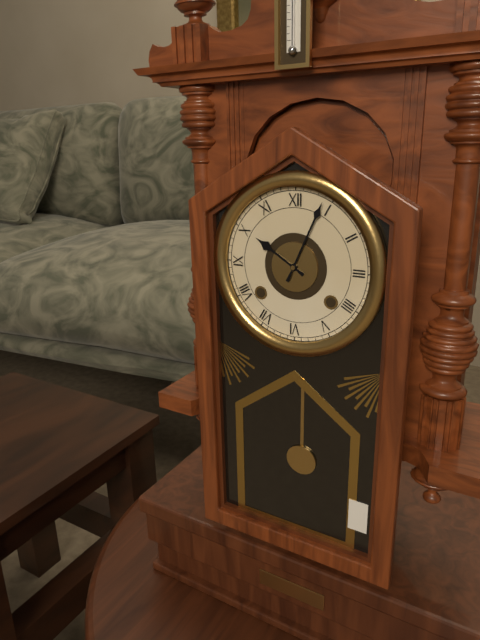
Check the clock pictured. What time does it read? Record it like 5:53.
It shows 10:04
